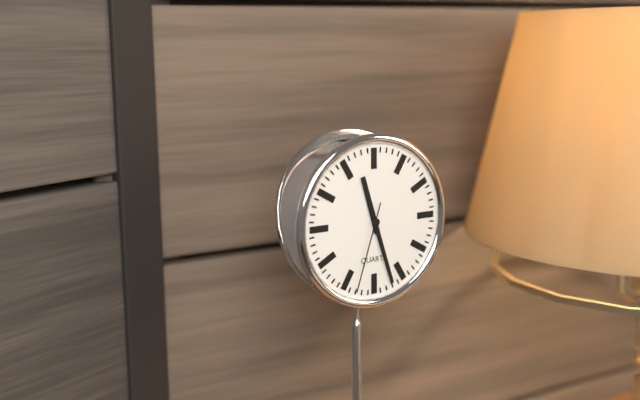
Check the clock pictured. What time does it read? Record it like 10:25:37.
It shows 11:27:33
